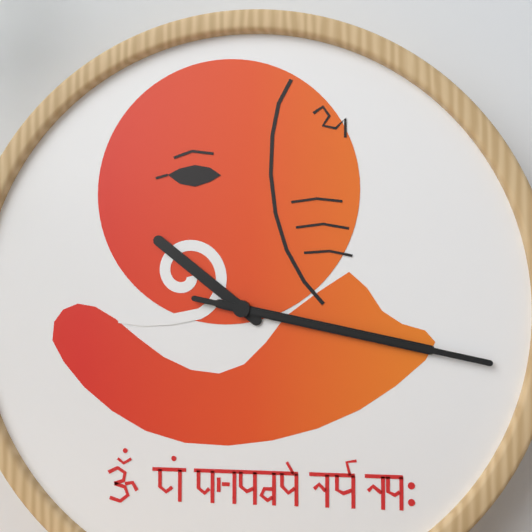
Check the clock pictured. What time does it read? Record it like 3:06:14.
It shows 10:17:17
